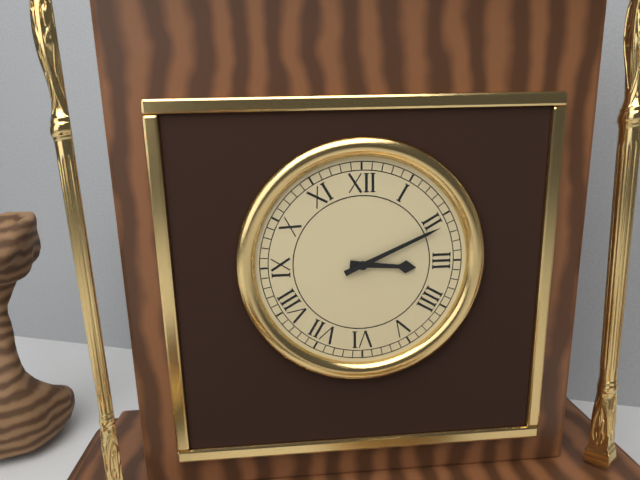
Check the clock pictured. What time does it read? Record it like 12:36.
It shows 3:11
